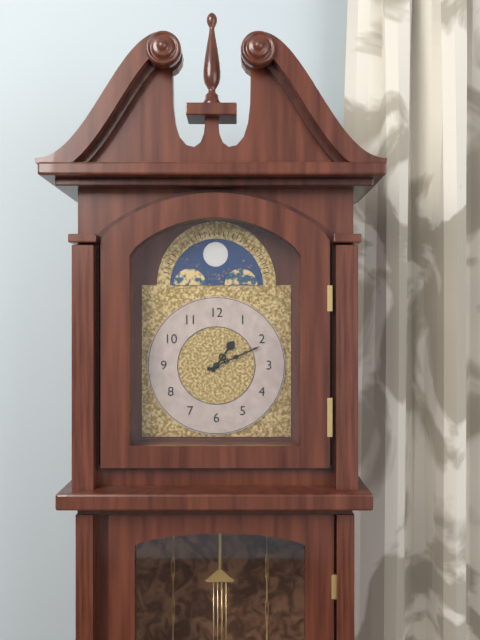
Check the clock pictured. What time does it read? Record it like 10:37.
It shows 1:11
